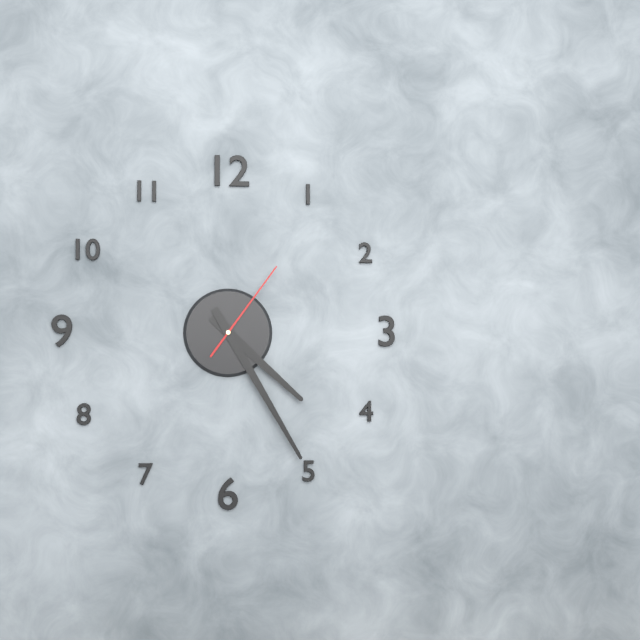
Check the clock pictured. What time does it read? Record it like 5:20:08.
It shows 4:25:06
